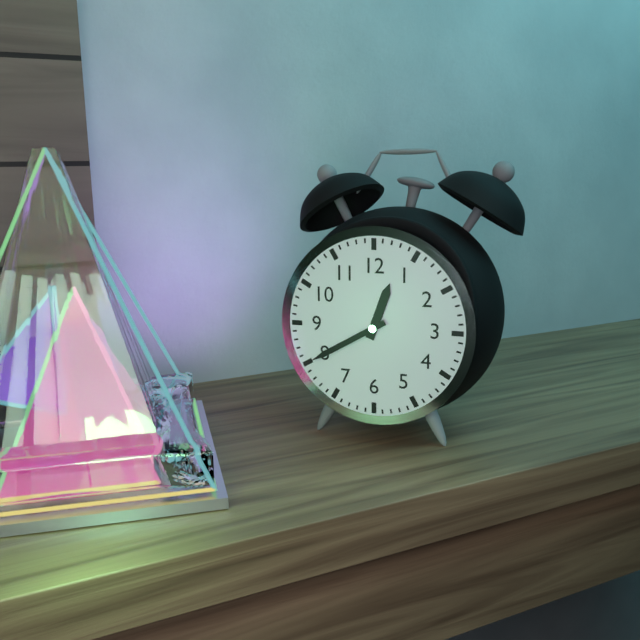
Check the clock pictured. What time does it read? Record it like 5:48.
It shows 12:40
